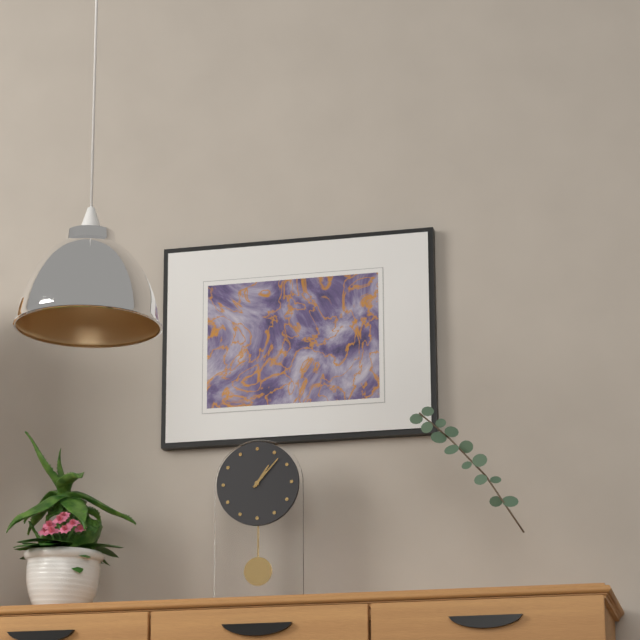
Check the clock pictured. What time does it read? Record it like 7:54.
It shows 1:07
